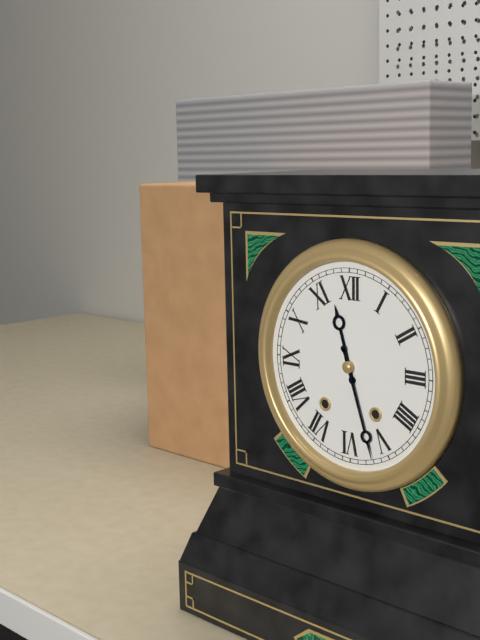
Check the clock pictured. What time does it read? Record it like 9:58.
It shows 11:27
